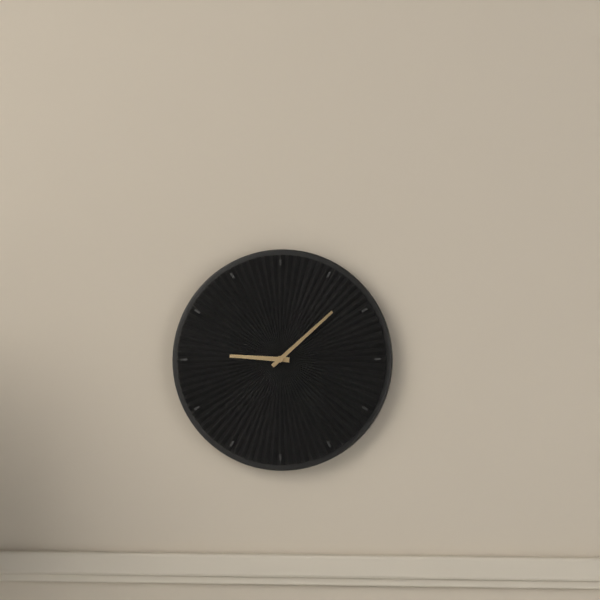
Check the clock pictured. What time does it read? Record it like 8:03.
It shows 9:08
